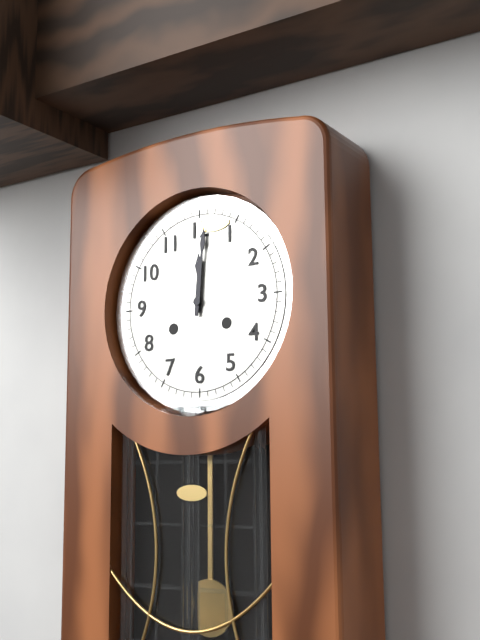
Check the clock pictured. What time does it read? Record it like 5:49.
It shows 12:01
